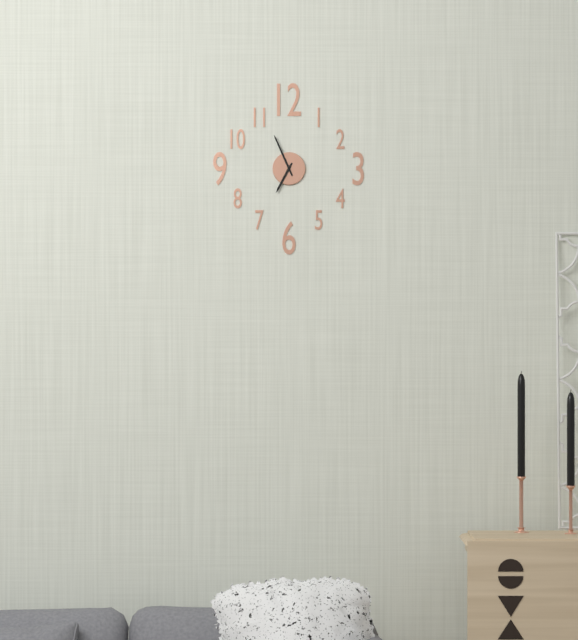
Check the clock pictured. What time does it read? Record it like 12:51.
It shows 6:56
